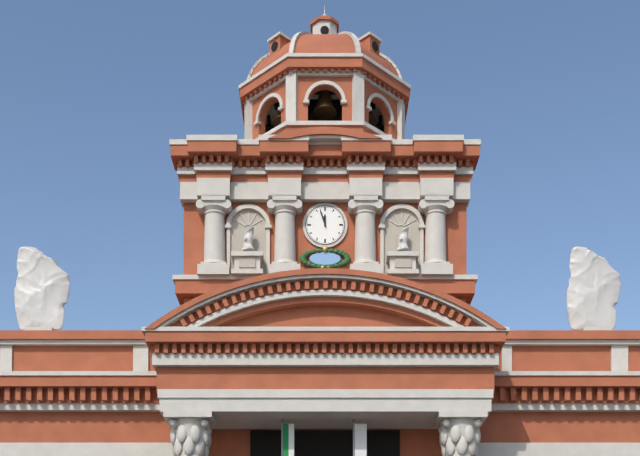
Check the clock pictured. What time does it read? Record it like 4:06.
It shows 11:57
